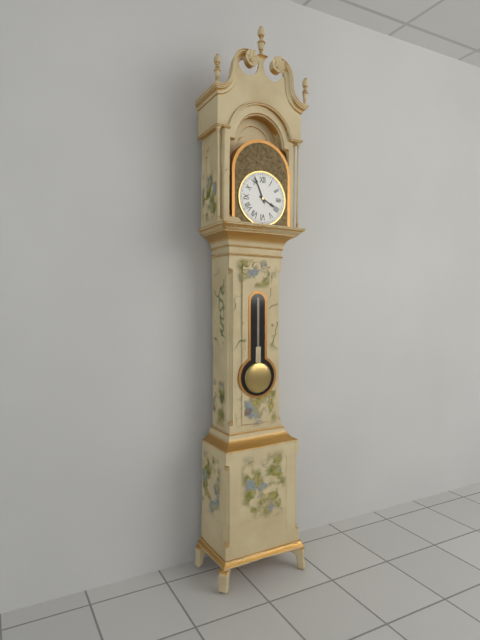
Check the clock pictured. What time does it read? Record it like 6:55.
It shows 3:56
